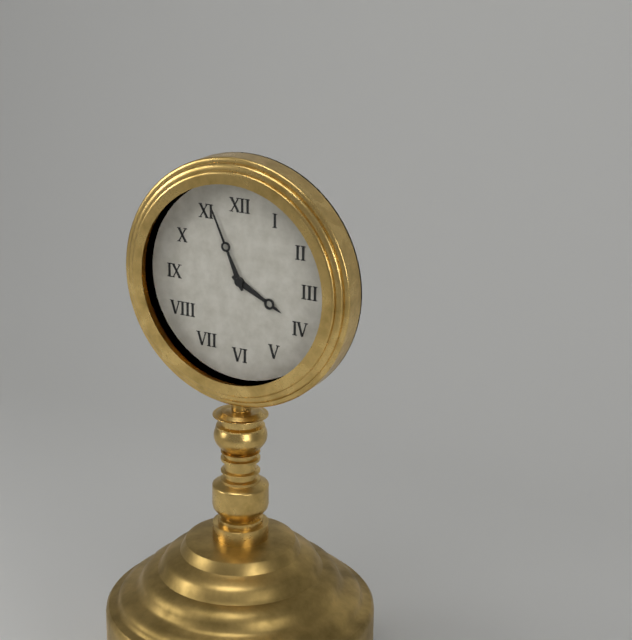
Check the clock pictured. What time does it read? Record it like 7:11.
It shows 3:56
